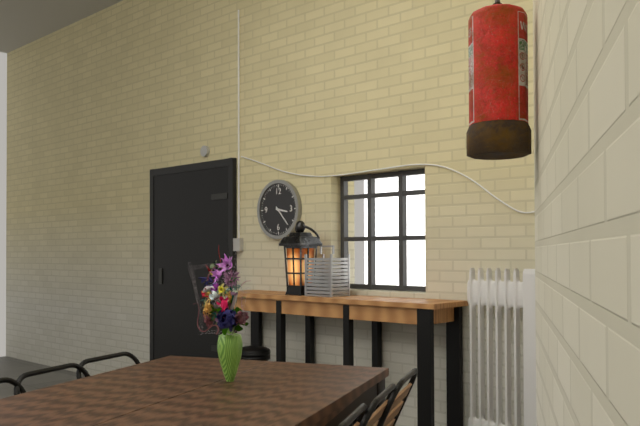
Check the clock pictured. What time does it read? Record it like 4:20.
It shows 3:23
